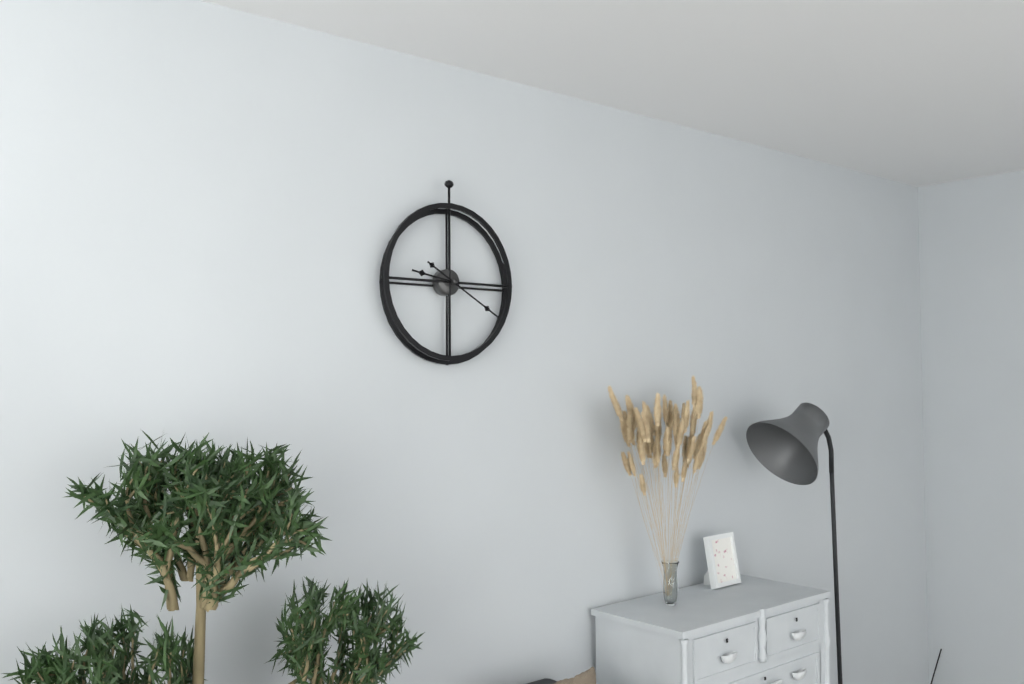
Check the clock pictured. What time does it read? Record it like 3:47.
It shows 9:20
